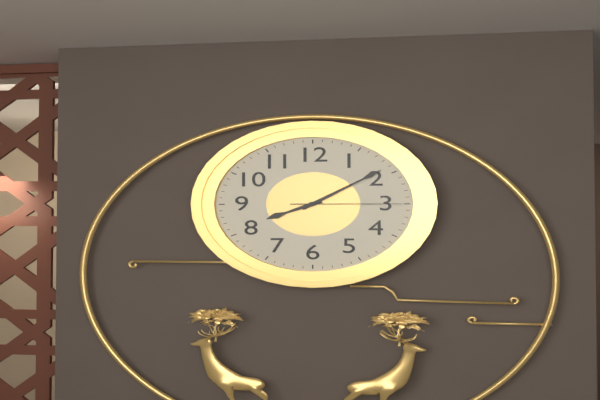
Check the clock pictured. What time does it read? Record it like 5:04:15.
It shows 8:09:15
